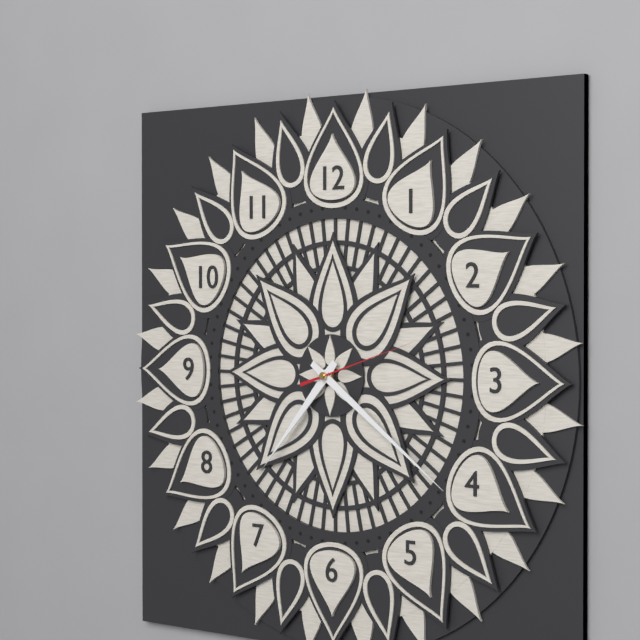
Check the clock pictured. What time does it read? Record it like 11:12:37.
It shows 7:21:12
